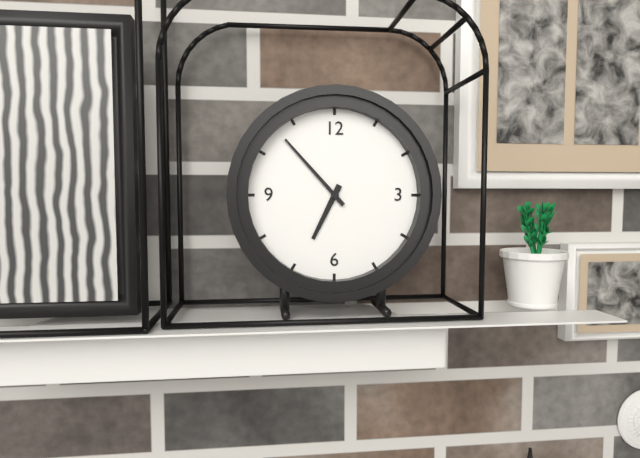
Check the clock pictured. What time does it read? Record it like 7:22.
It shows 6:53
